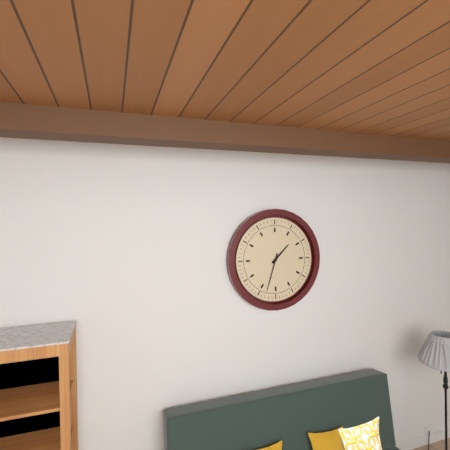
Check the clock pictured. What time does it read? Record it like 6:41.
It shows 1:33
